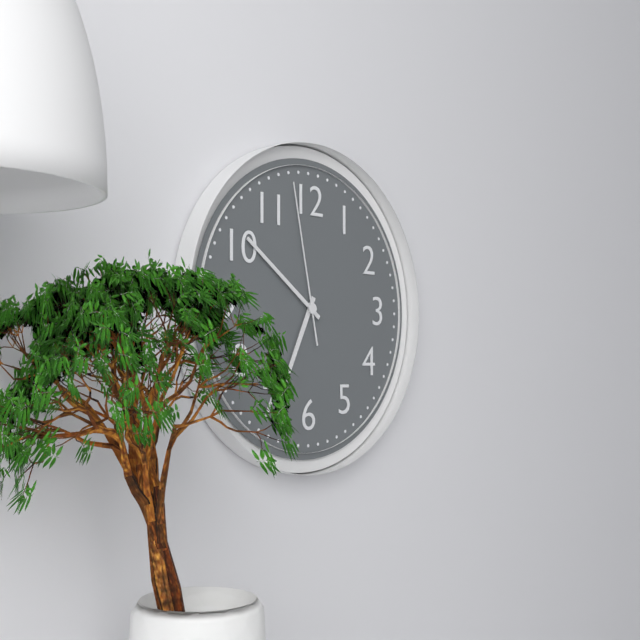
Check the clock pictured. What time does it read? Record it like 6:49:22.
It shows 6:51:58
